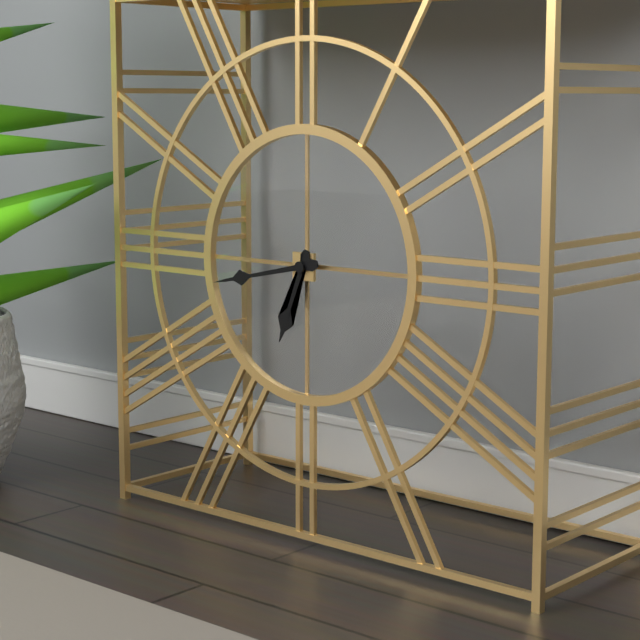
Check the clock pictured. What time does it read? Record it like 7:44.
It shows 6:43
